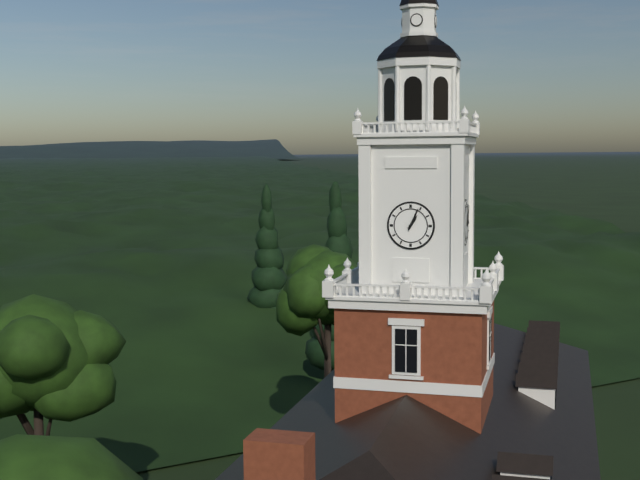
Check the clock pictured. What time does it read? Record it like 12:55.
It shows 1:04
